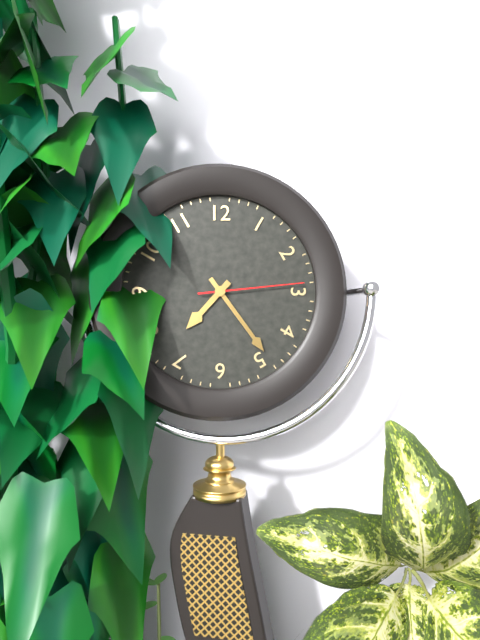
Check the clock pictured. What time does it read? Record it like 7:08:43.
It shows 7:24:14
